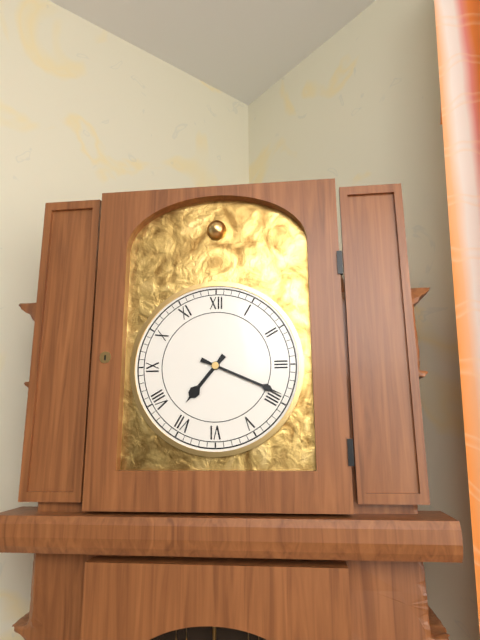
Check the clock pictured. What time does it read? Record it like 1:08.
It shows 7:19
